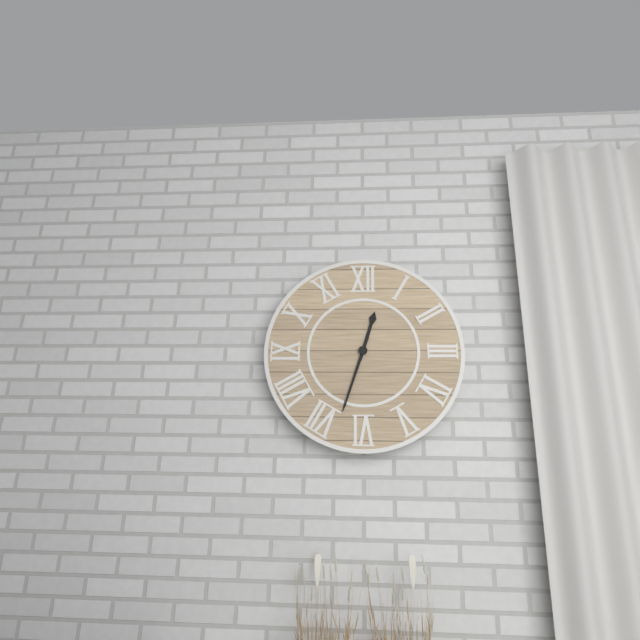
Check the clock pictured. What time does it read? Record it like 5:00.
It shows 12:33
